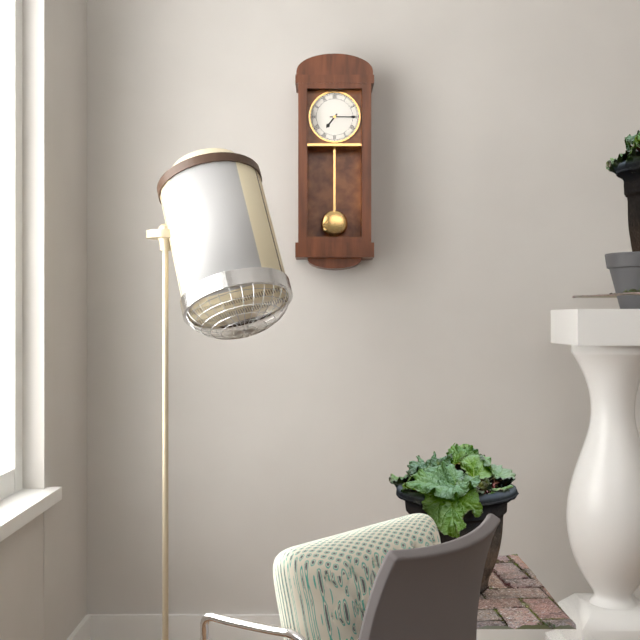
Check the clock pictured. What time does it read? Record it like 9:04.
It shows 7:15
